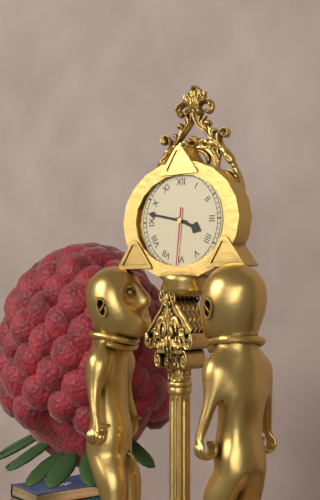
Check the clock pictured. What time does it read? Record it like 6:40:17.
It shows 3:47:31
